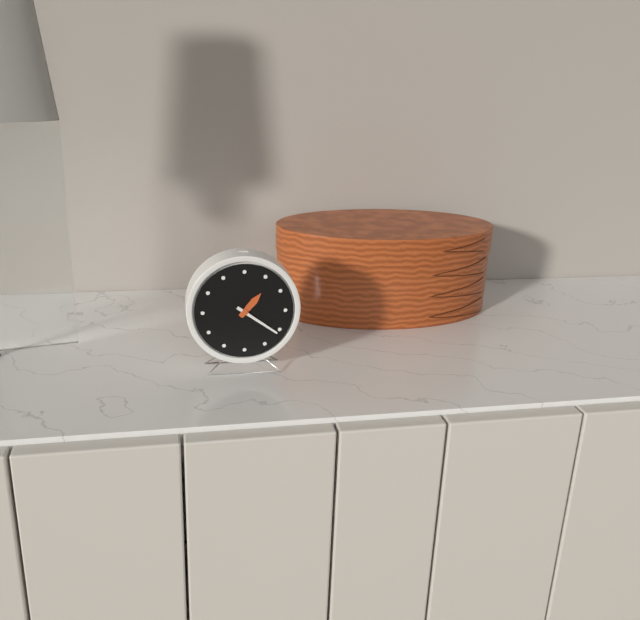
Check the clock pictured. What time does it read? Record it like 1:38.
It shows 1:21
